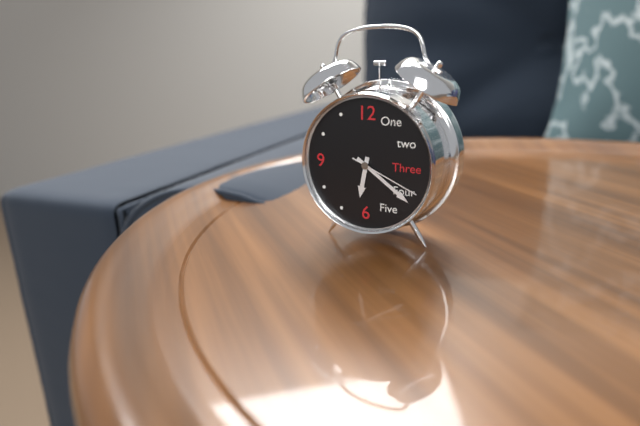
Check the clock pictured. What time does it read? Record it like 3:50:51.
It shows 6:21:19
